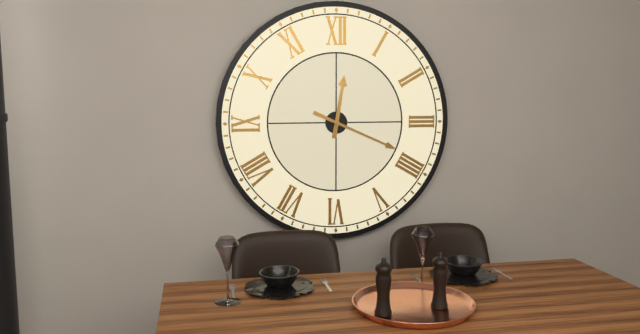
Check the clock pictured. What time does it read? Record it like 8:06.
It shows 12:19
